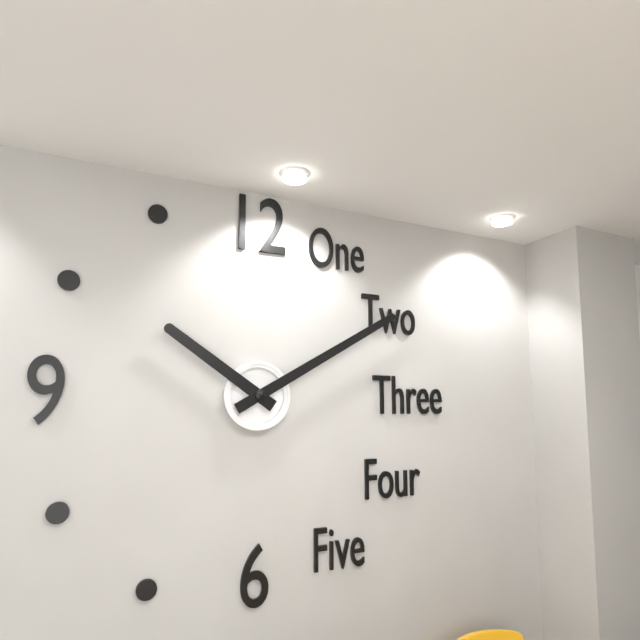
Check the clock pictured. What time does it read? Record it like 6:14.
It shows 10:10
